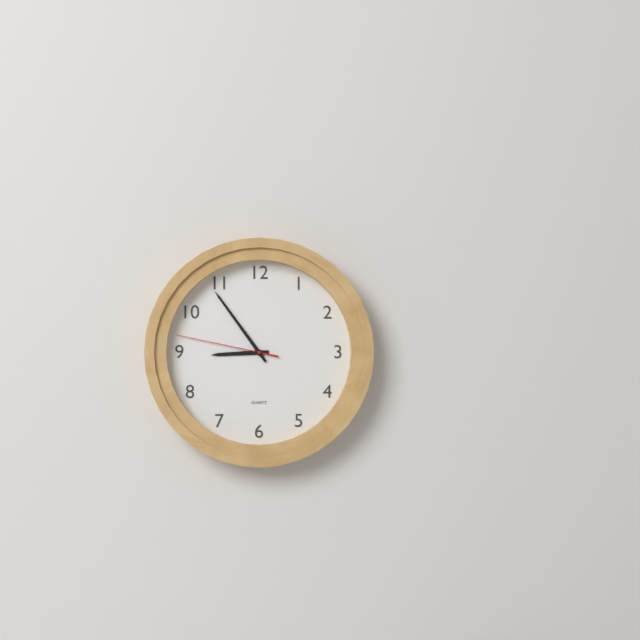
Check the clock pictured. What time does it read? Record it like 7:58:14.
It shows 8:54:47
